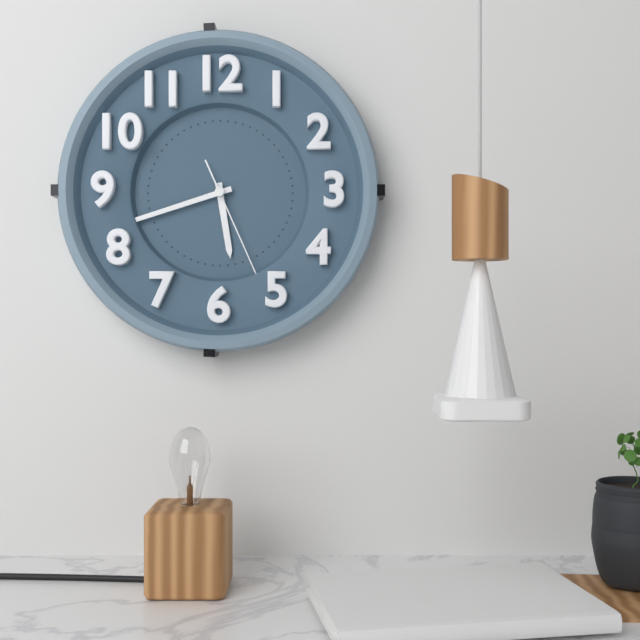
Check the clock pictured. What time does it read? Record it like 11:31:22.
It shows 5:42:26
